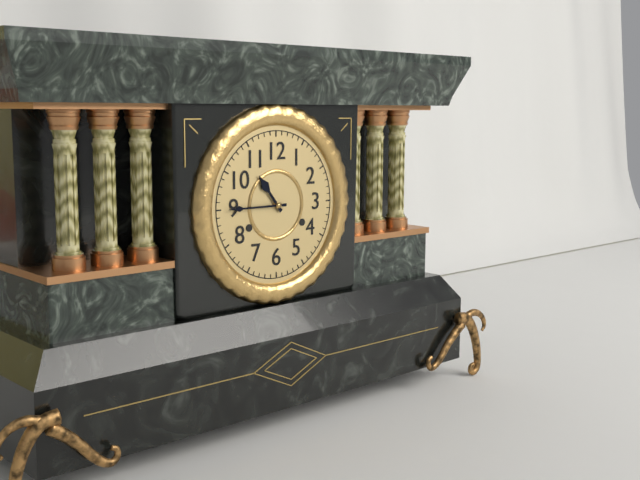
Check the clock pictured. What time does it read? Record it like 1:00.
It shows 10:45
